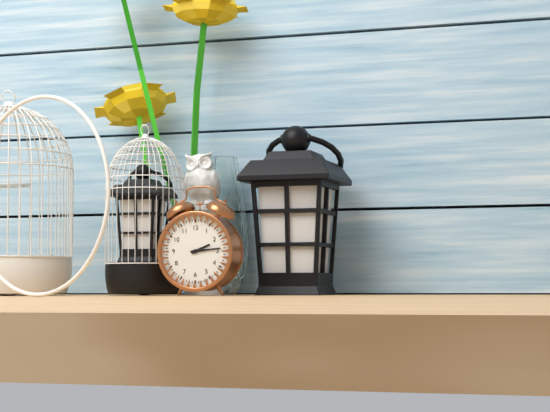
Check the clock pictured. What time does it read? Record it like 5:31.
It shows 2:14
